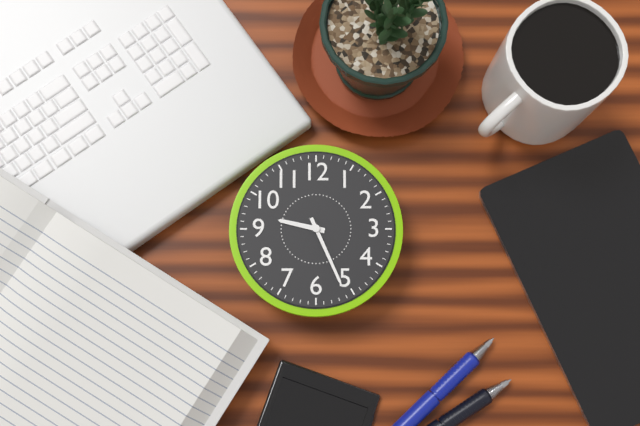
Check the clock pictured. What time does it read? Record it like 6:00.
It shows 9:26
